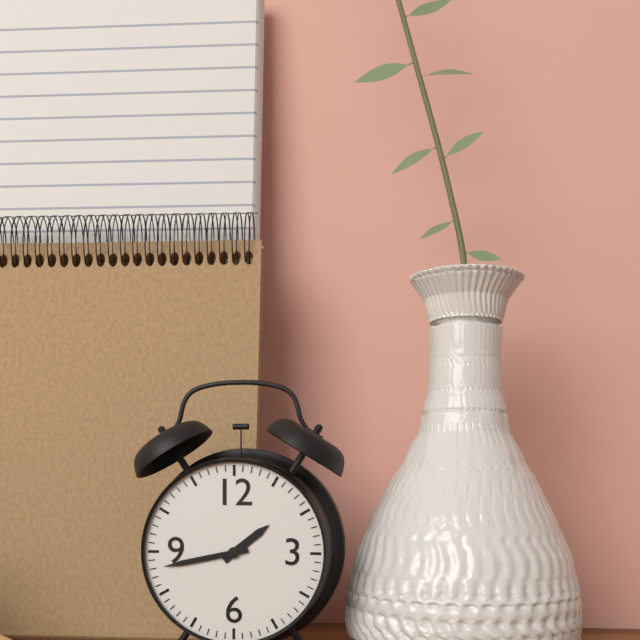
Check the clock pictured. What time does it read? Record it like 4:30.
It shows 1:43
